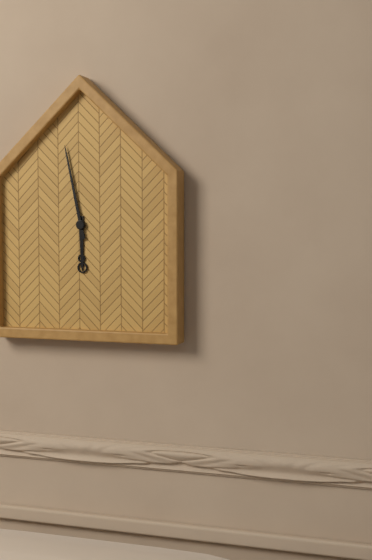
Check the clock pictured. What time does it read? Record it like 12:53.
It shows 5:58
